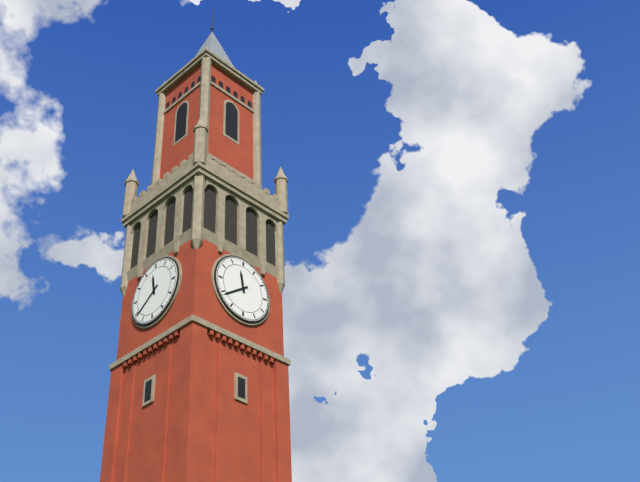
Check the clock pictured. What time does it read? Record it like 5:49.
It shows 11:39
